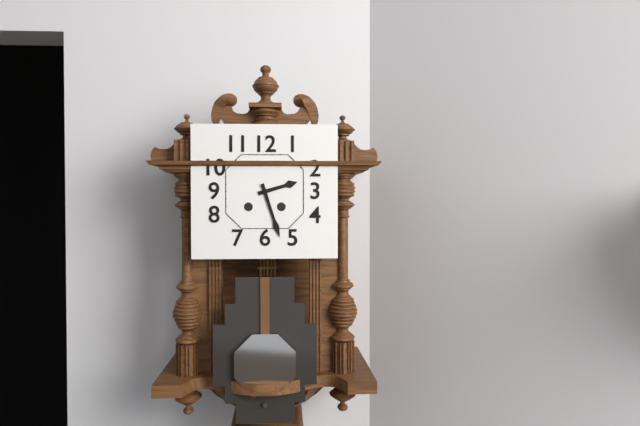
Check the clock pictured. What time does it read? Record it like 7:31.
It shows 2:27
